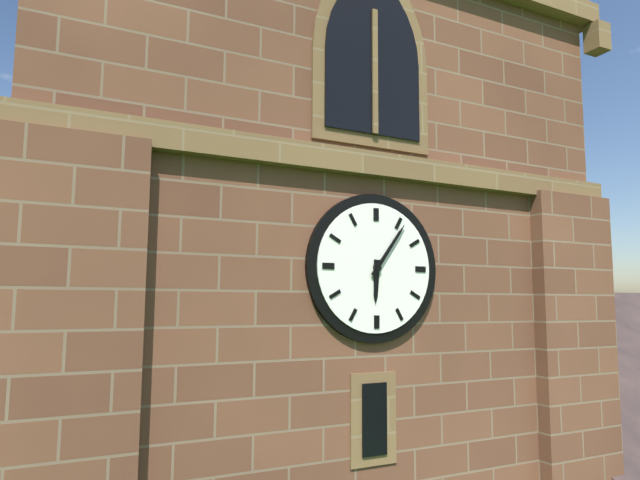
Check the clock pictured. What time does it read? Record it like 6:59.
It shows 6:06
